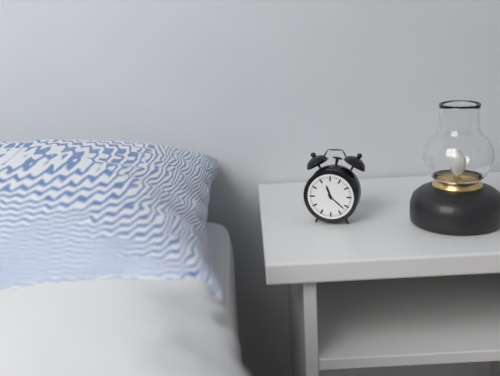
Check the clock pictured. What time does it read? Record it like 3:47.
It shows 11:22
